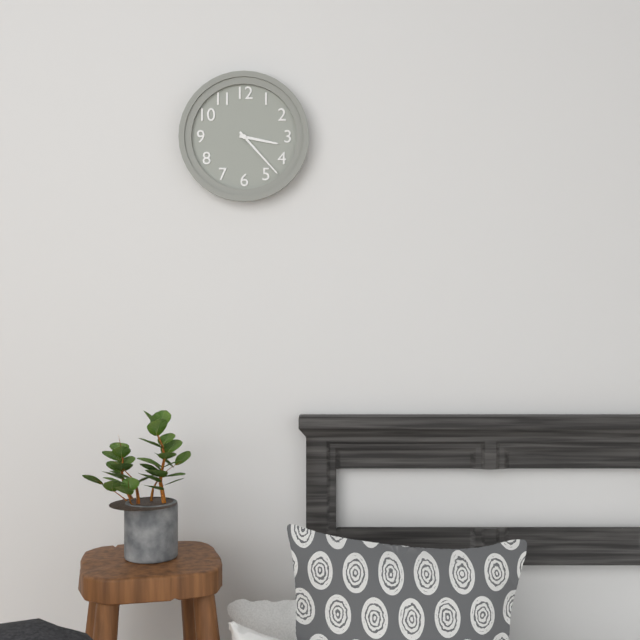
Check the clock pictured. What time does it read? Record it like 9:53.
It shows 3:23
